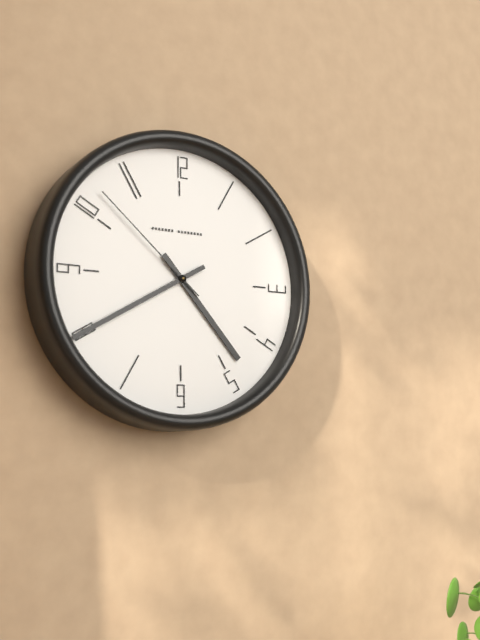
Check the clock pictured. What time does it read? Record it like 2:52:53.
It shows 4:40:52
